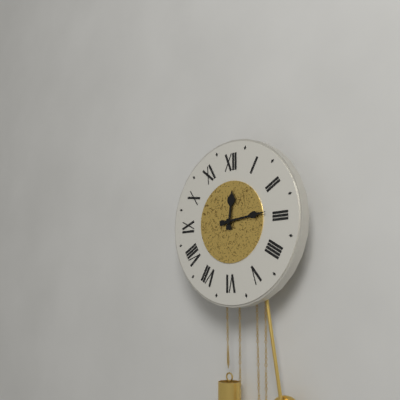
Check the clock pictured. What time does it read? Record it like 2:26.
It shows 12:14
